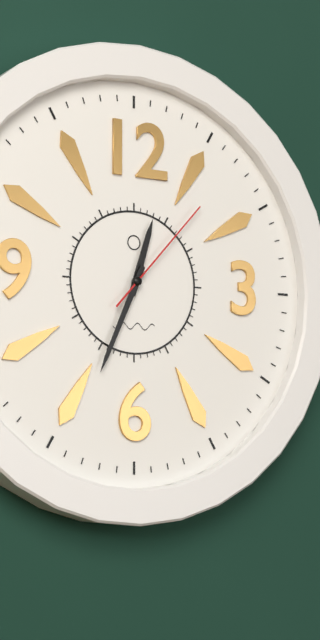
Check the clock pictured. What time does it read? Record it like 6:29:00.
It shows 12:34:07
